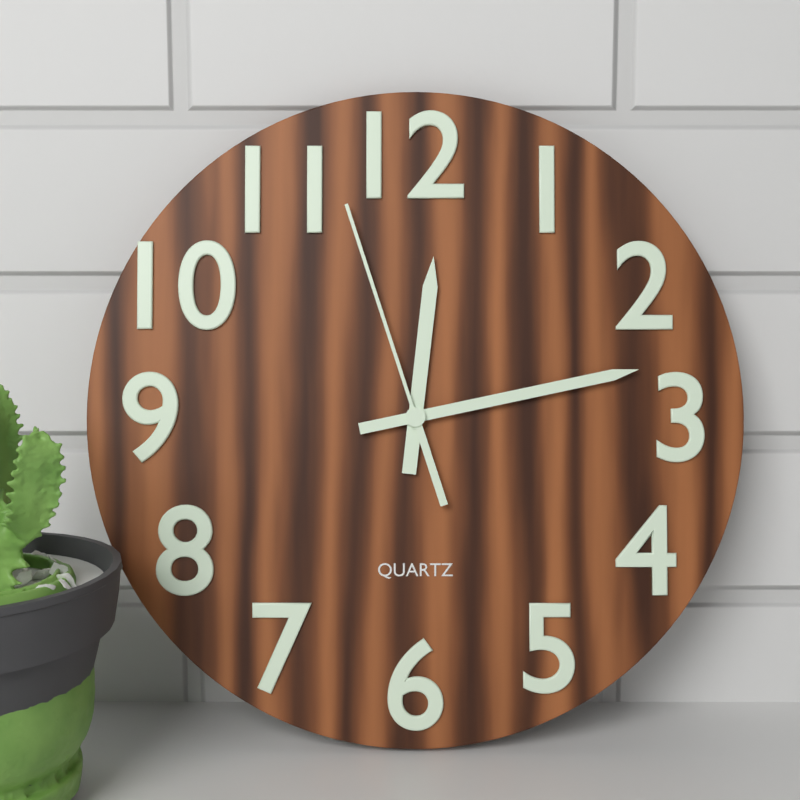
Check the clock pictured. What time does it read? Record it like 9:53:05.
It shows 12:13:57
